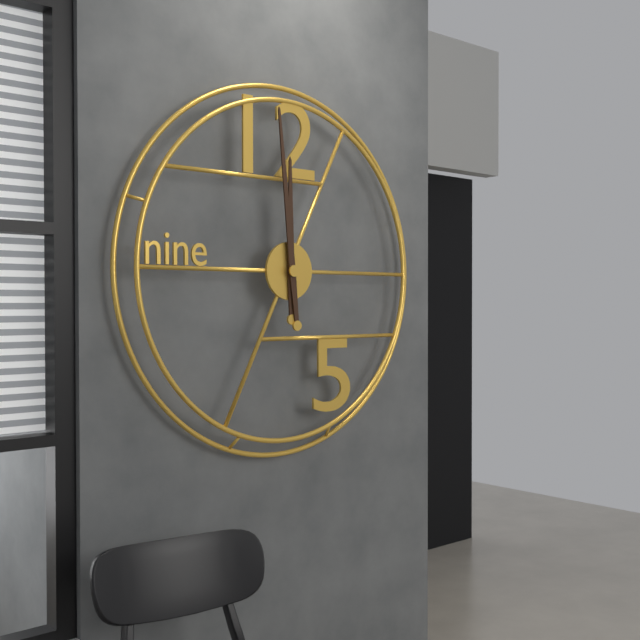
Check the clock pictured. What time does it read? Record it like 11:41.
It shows 11:59
